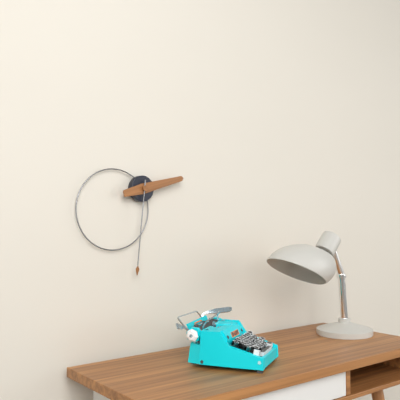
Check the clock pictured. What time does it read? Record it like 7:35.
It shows 2:31
